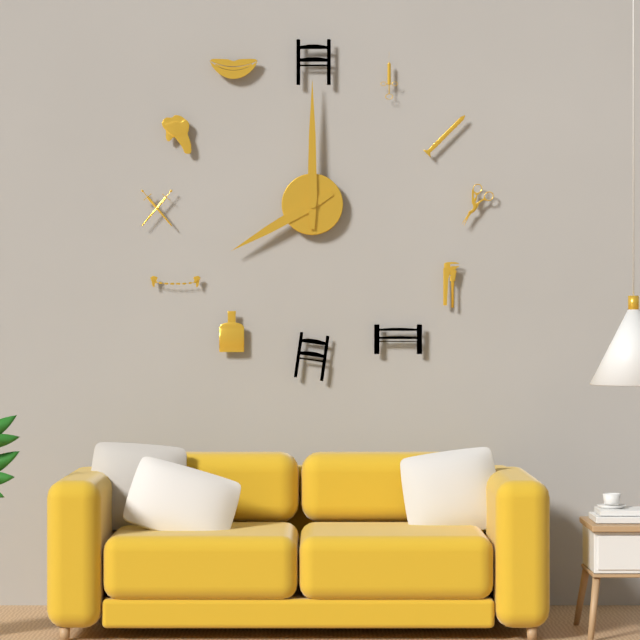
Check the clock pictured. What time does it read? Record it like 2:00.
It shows 8:00
